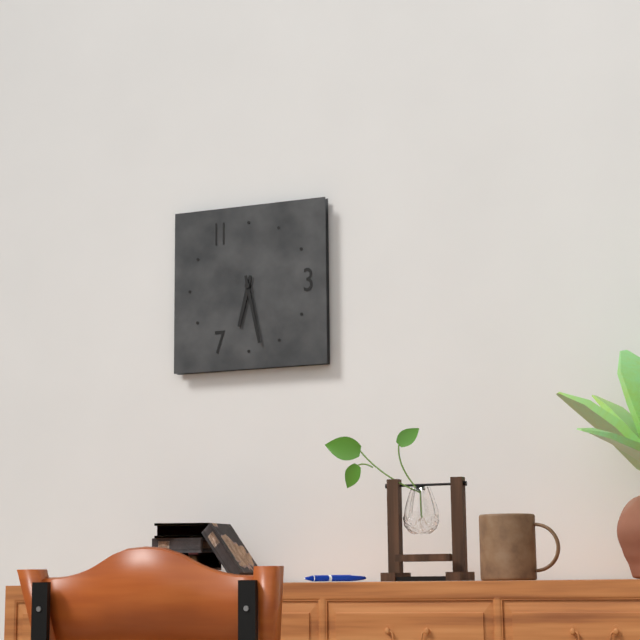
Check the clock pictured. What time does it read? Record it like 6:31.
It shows 6:28
